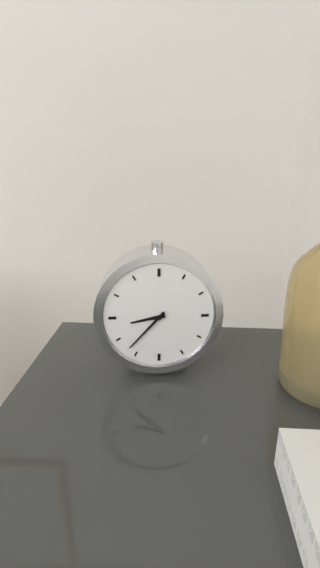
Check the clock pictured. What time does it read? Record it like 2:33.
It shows 8:37
